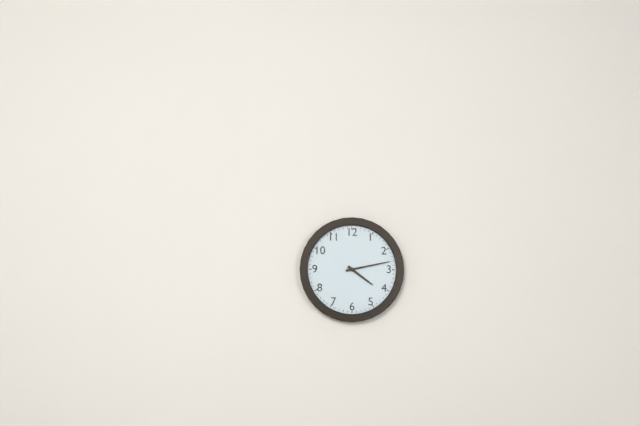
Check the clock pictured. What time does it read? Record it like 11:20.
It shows 4:13
